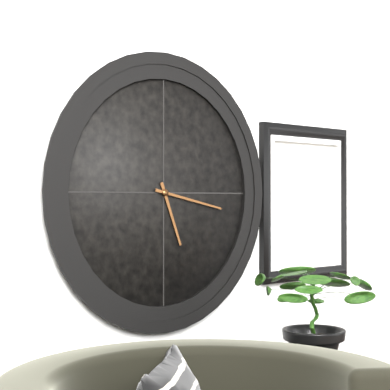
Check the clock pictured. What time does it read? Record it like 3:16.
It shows 5:17
